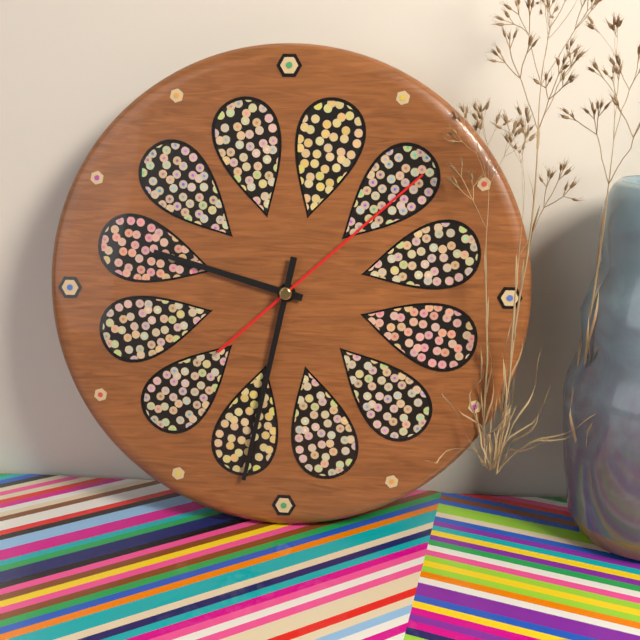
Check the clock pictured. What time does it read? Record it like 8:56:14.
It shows 9:32:08
